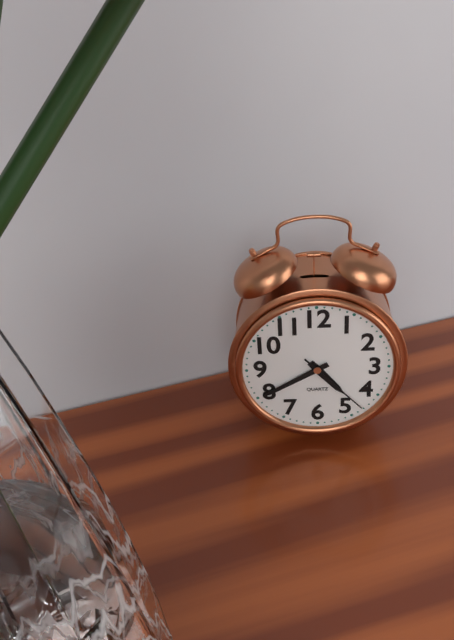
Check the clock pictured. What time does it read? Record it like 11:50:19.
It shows 4:40:23
